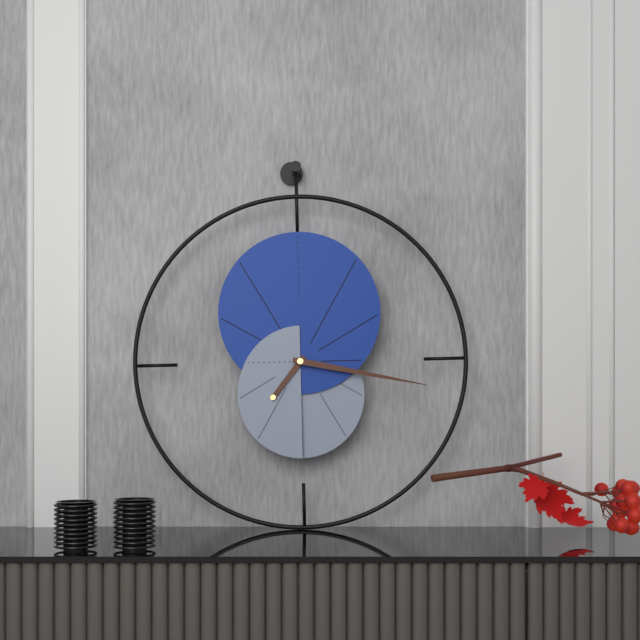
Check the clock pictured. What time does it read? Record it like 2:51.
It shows 7:17
